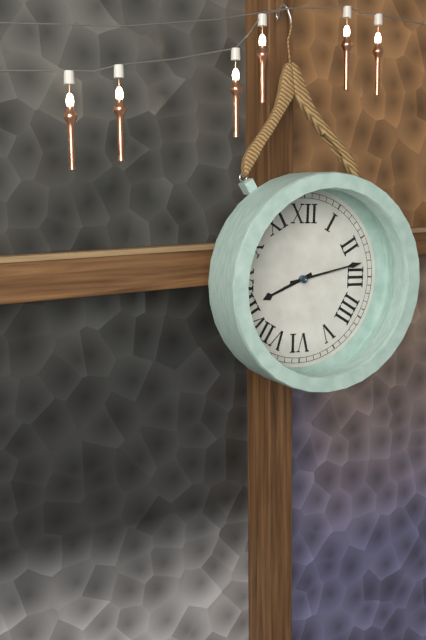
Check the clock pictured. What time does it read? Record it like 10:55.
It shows 8:13
